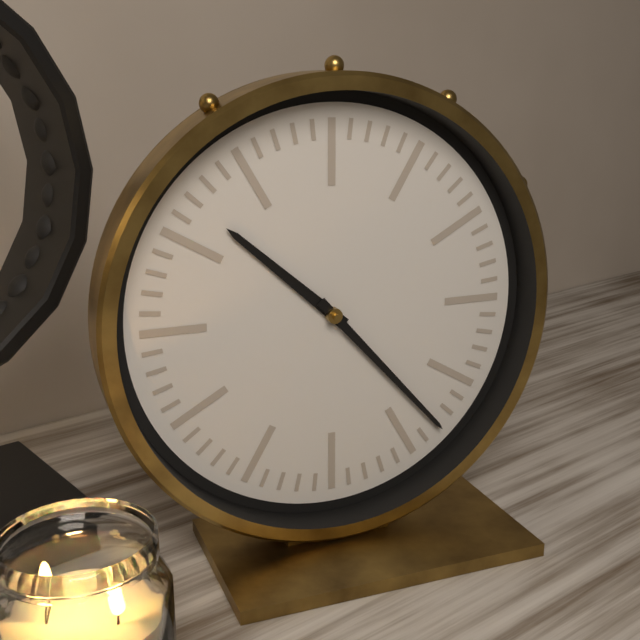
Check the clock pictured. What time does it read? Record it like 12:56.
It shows 10:23
